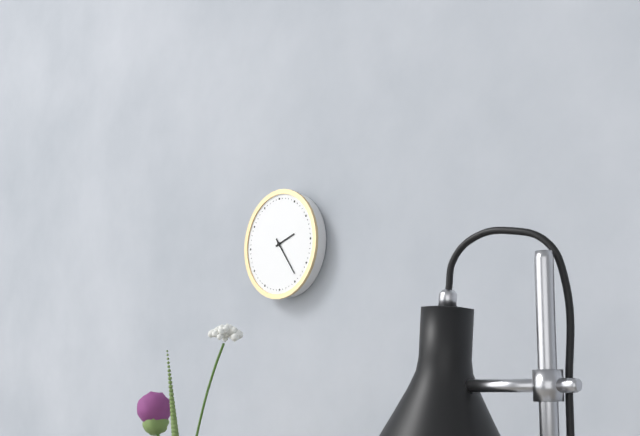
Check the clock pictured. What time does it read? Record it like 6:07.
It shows 2:24
